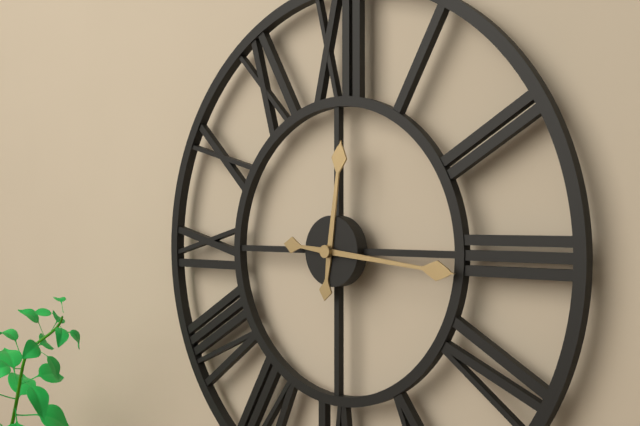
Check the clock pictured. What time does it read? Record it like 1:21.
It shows 12:16
